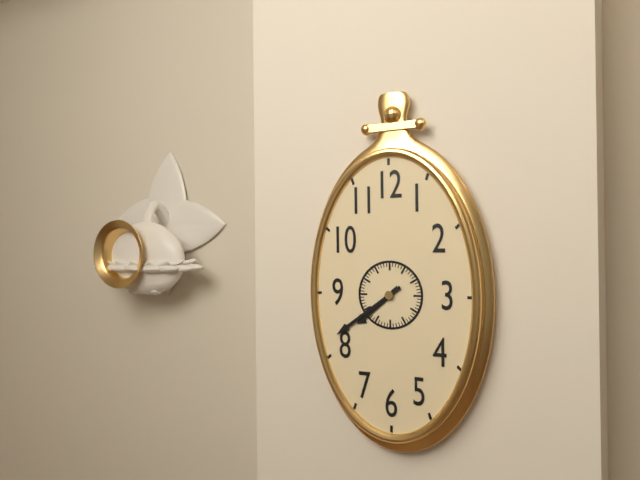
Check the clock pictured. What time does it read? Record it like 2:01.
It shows 7:39
